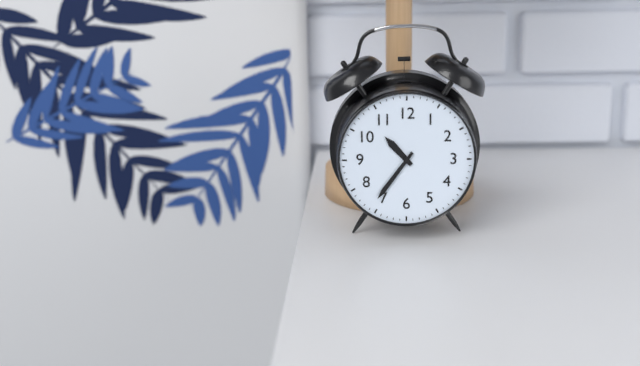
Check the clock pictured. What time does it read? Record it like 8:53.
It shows 10:36
